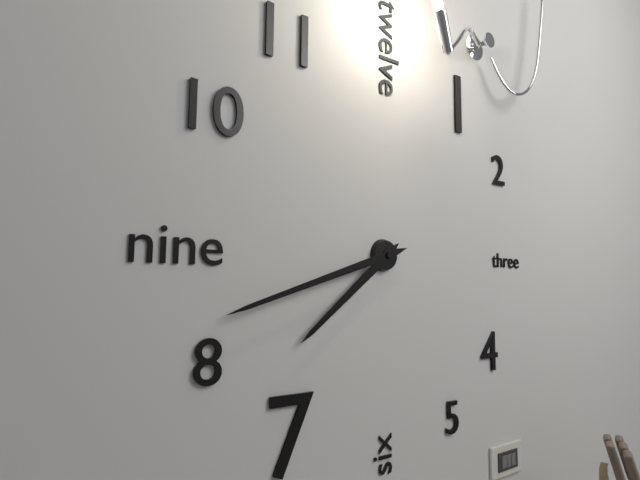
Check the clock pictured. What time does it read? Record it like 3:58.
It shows 7:42
